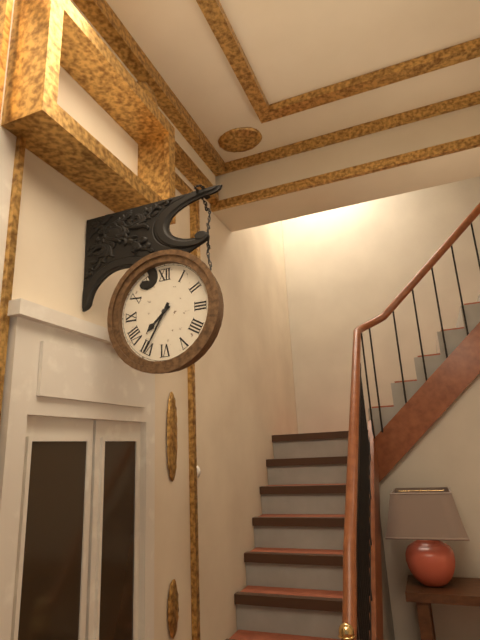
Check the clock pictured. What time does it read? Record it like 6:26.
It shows 7:35
